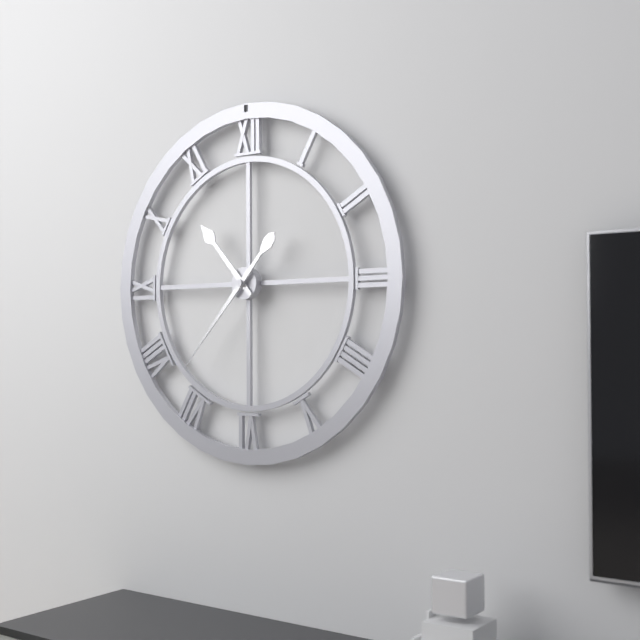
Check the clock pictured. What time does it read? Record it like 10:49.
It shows 10:37
